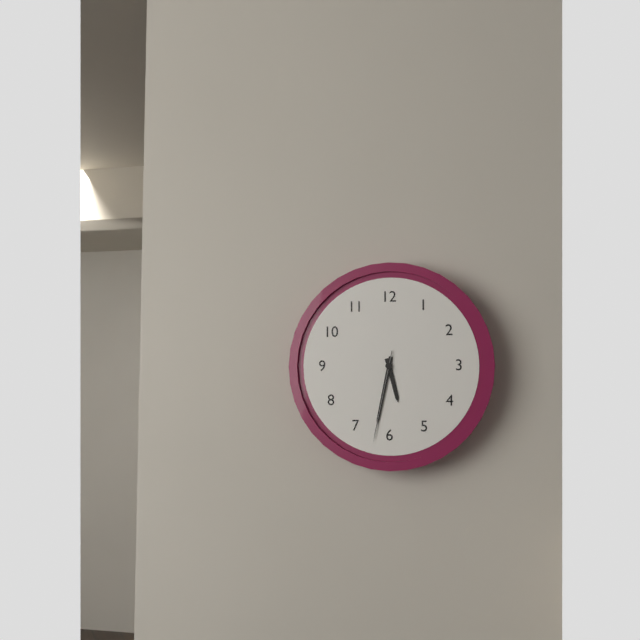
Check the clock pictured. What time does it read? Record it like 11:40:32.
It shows 5:32:32
